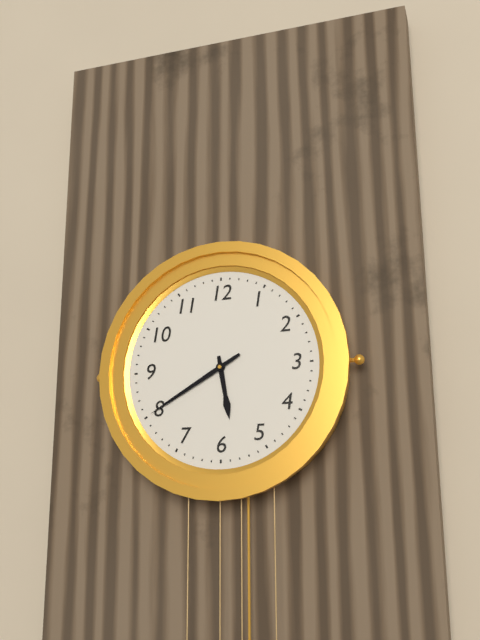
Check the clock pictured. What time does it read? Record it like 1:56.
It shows 5:40
